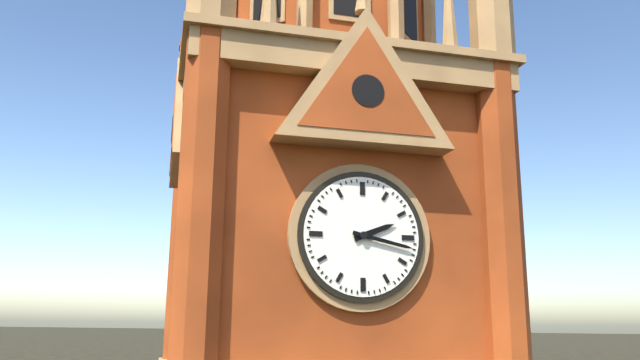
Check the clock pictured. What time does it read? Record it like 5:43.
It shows 2:17
